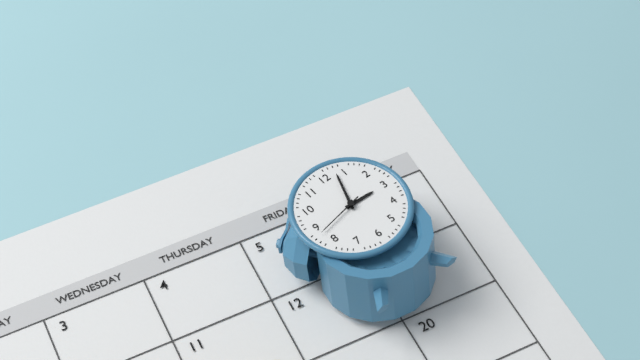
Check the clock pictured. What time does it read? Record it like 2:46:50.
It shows 3:03:43
